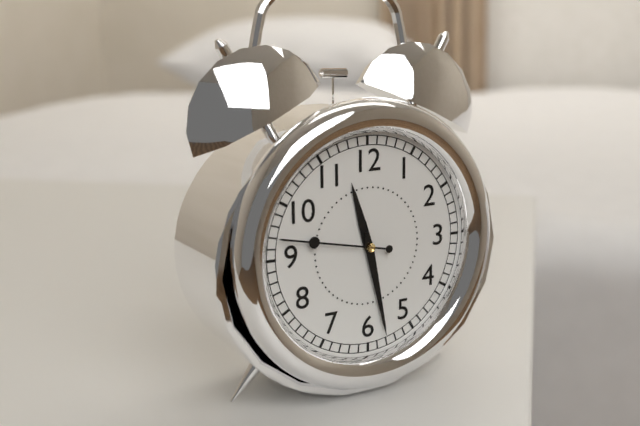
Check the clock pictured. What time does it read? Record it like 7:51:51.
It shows 11:28:47
